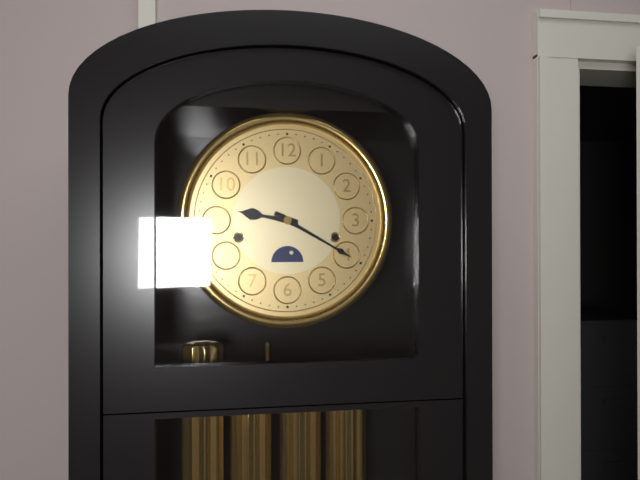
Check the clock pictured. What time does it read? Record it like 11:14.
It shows 9:20
